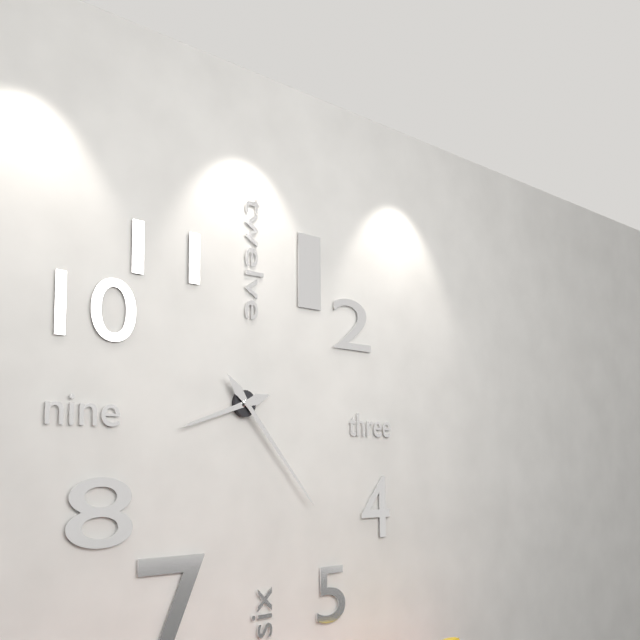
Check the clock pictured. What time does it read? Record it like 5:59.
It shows 8:23
